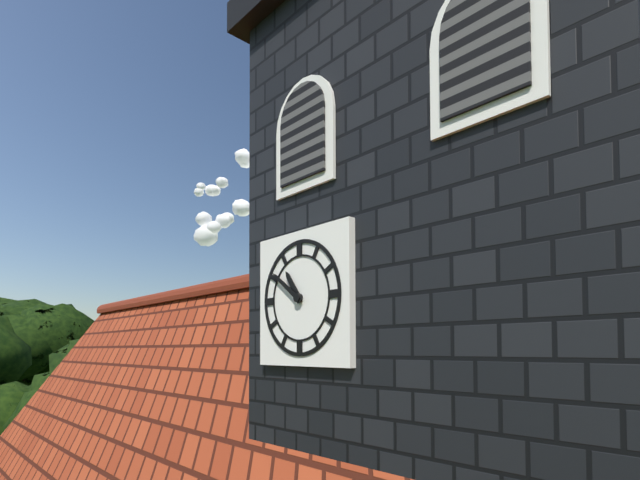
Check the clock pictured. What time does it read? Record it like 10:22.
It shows 10:51
